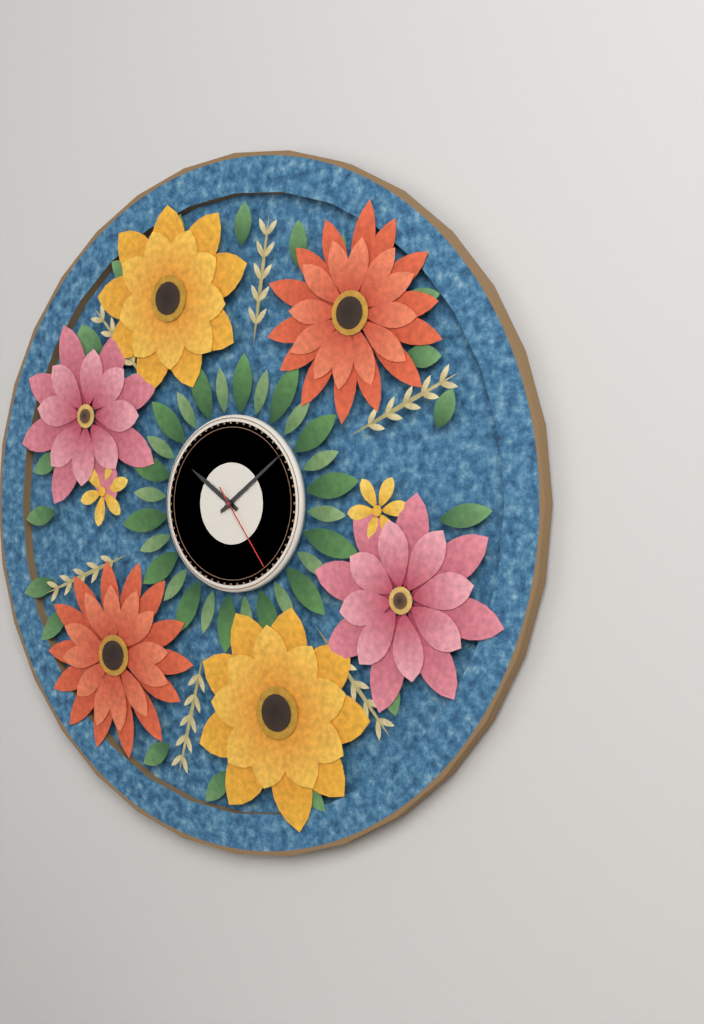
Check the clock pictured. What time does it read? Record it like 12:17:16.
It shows 10:09:24
